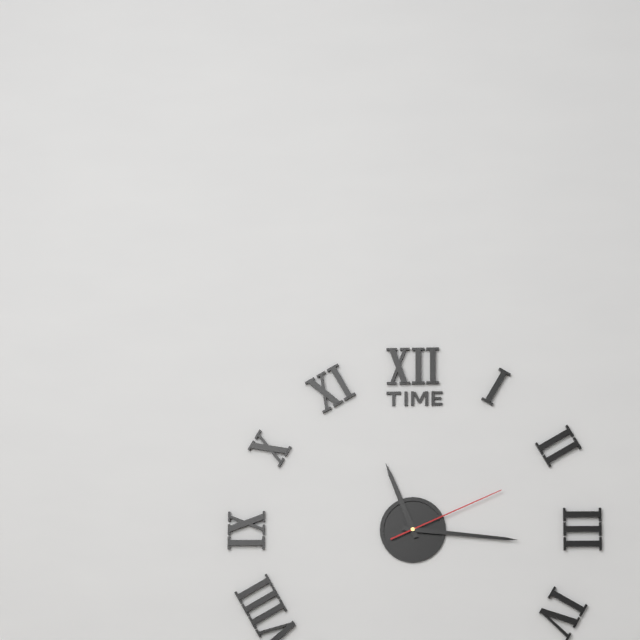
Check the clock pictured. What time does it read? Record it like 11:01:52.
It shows 11:16:11
